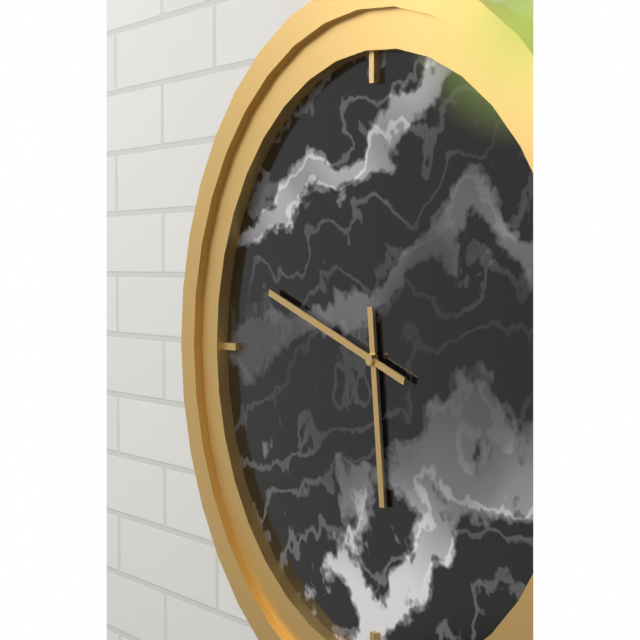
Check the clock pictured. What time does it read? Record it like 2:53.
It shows 5:48
